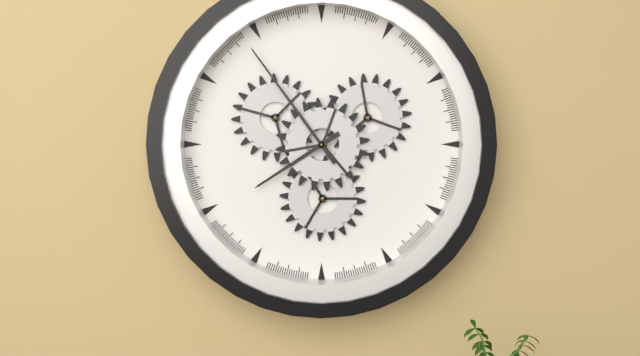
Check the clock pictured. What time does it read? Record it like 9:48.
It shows 7:54
